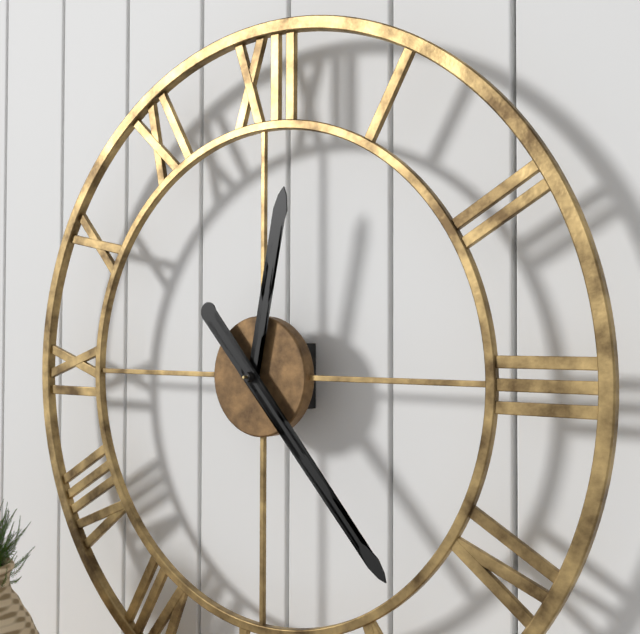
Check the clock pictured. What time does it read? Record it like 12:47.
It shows 12:23
